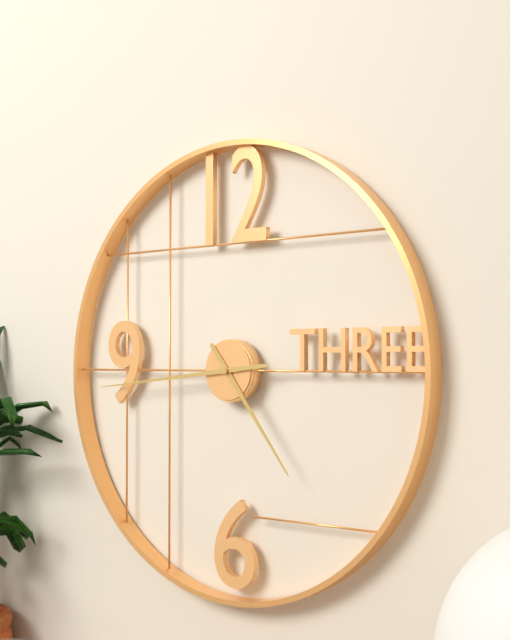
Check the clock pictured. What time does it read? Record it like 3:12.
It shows 4:44
